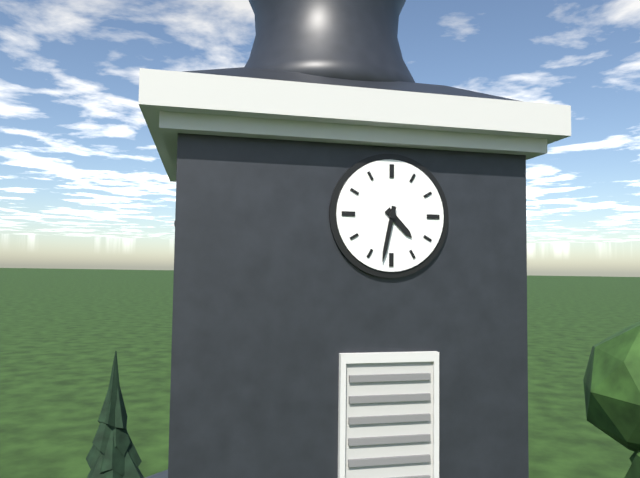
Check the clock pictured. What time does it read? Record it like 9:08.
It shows 4:32
